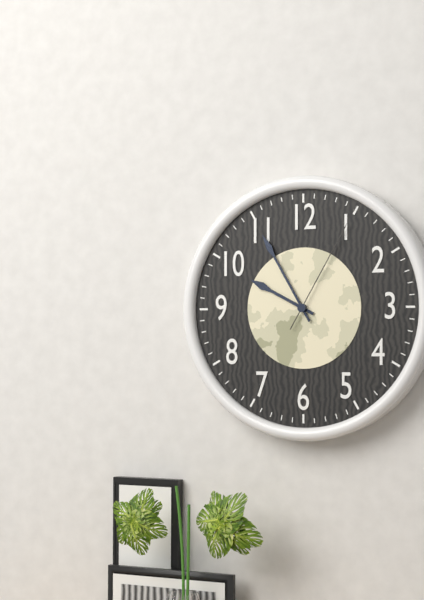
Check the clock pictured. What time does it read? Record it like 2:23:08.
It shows 9:55:05
